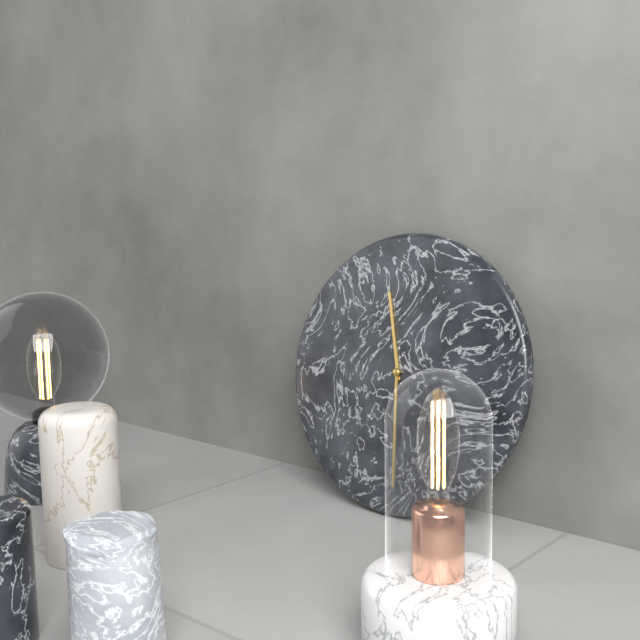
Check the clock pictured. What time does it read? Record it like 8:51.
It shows 11:29
